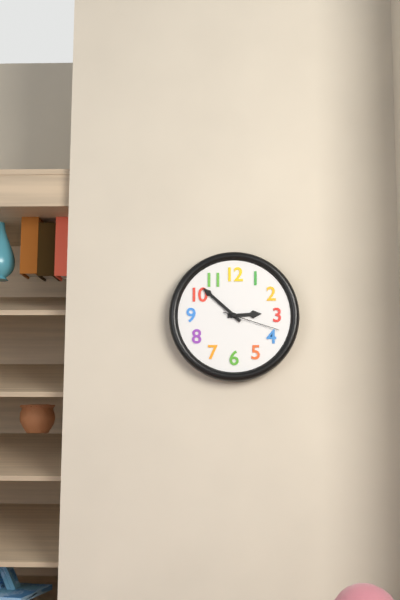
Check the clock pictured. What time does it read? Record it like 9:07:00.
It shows 2:52:18
